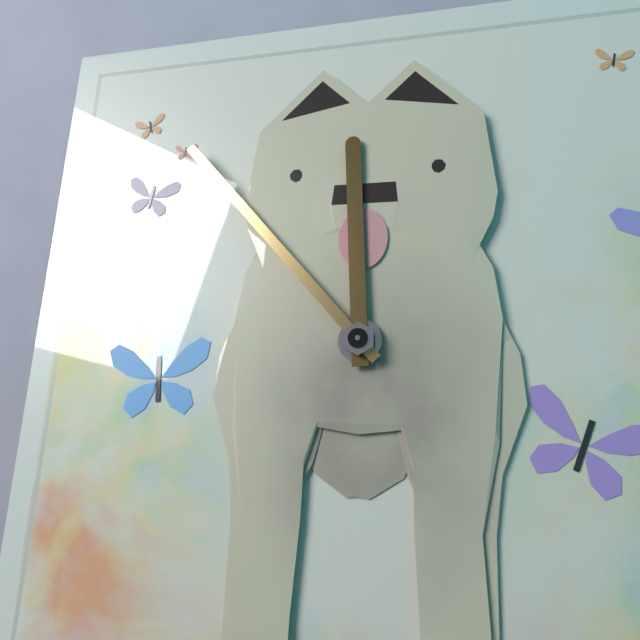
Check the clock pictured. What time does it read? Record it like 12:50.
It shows 11:53
